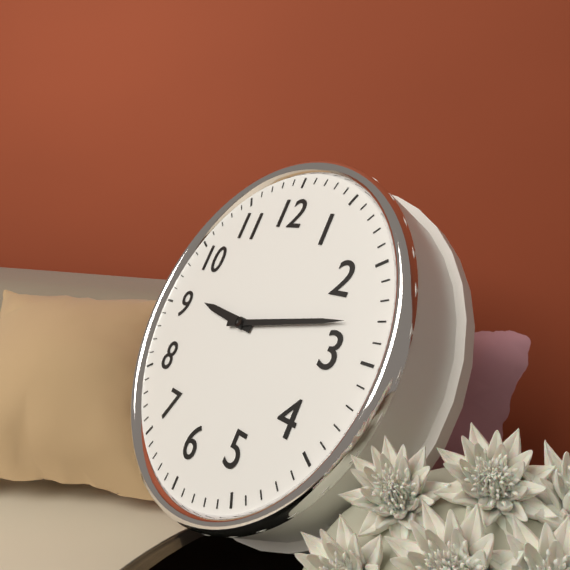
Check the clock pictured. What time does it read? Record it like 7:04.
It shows 9:13
